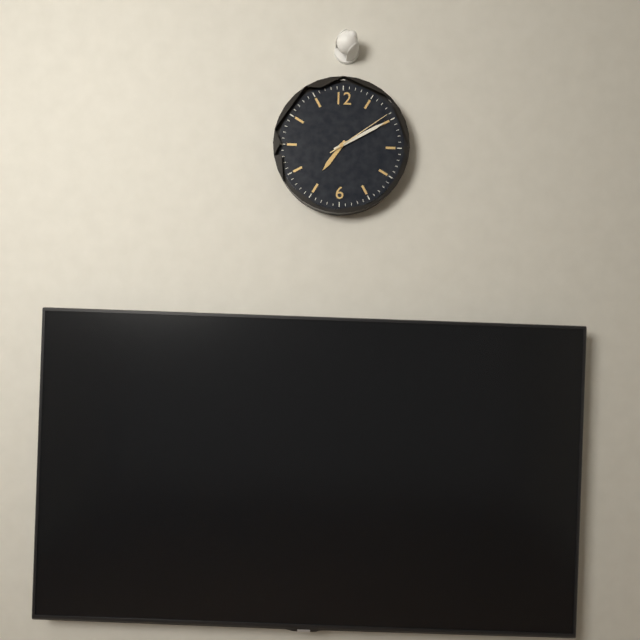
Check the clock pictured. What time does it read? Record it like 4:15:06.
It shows 7:10:09
